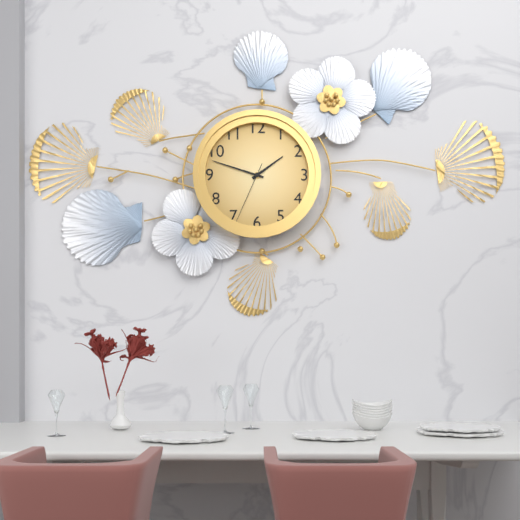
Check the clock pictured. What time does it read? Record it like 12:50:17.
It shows 1:48:34
